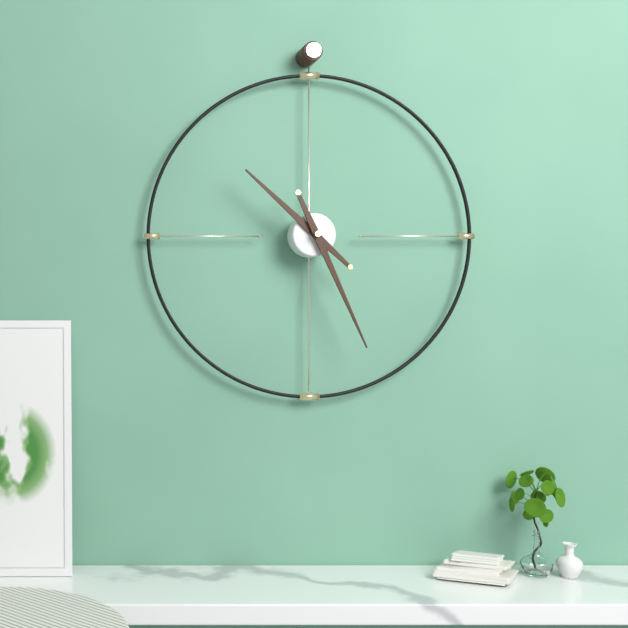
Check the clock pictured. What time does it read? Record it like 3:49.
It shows 10:26
